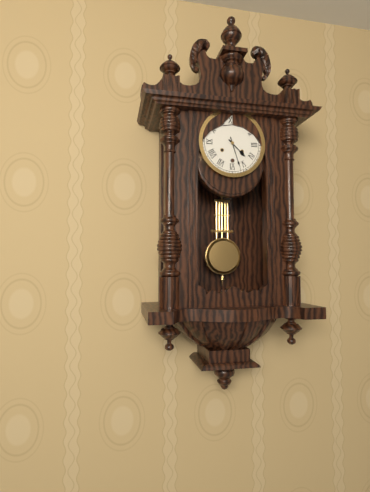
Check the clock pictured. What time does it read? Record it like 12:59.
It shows 4:27
